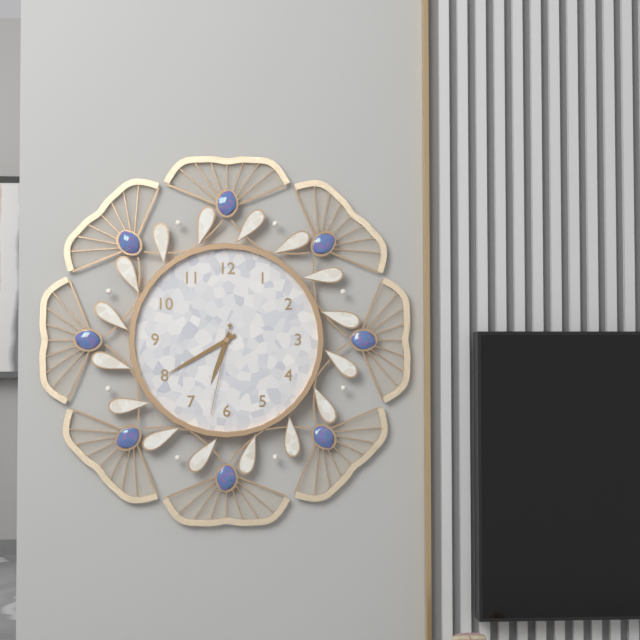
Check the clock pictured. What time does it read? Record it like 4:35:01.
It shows 6:40:32
